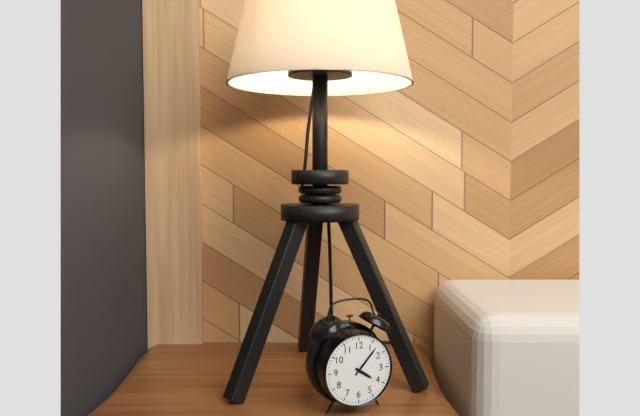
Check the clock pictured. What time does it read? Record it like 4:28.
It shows 4:07
